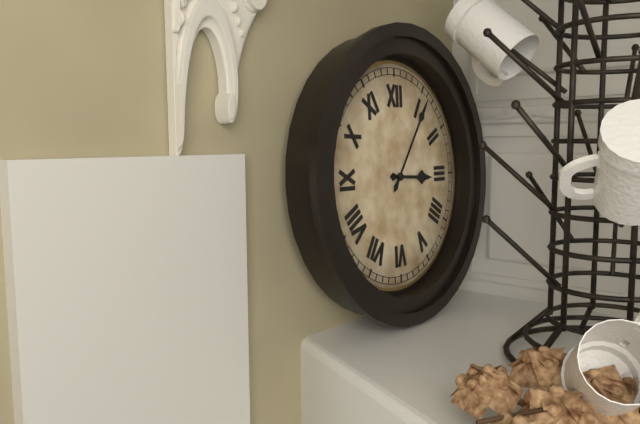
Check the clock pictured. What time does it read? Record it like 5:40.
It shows 3:06
